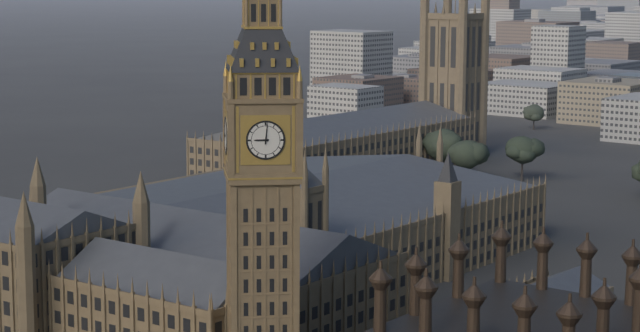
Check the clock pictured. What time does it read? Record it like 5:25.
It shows 9:01
